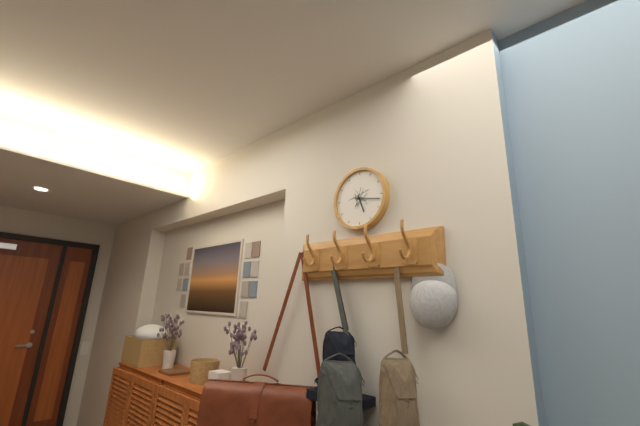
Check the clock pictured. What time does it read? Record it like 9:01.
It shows 5:17
